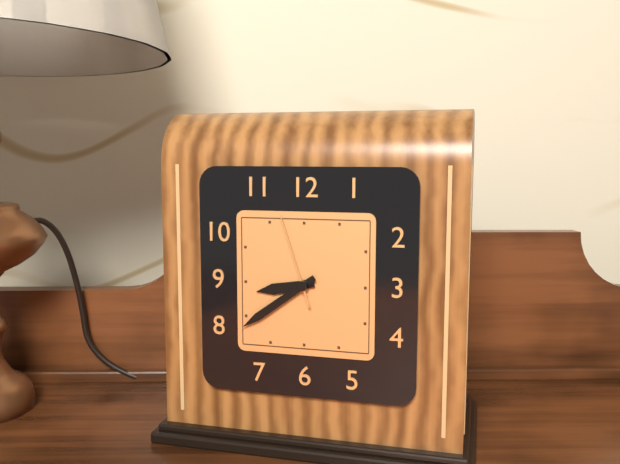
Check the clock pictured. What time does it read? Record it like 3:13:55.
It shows 8:39:57
